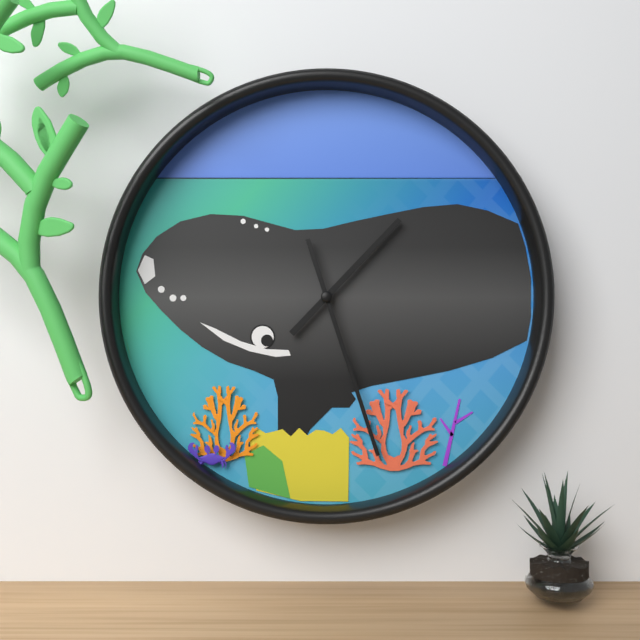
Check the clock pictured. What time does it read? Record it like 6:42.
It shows 1:27
